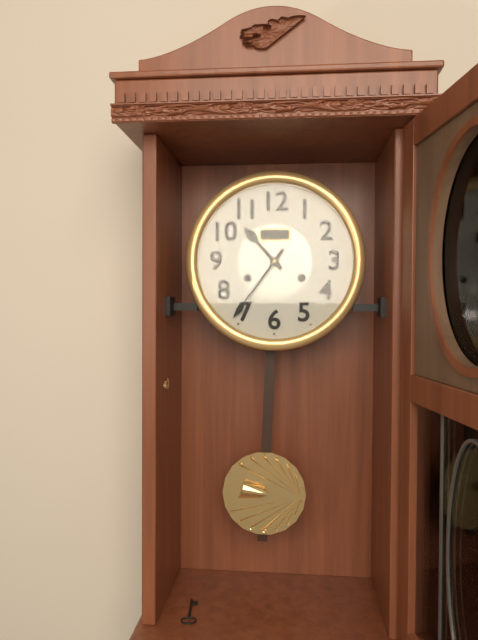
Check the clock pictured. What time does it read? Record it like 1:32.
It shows 10:36
